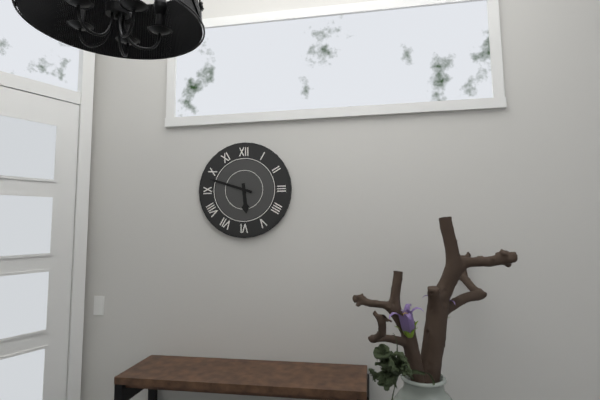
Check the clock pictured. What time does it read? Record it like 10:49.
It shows 5:48
